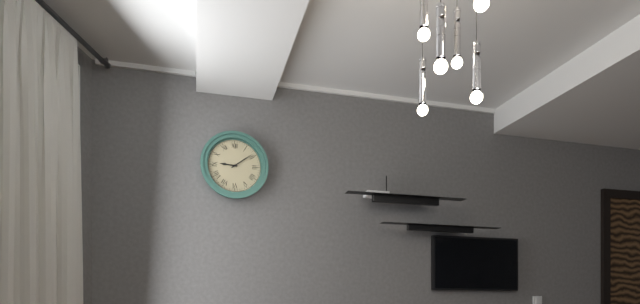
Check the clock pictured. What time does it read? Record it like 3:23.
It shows 9:09
